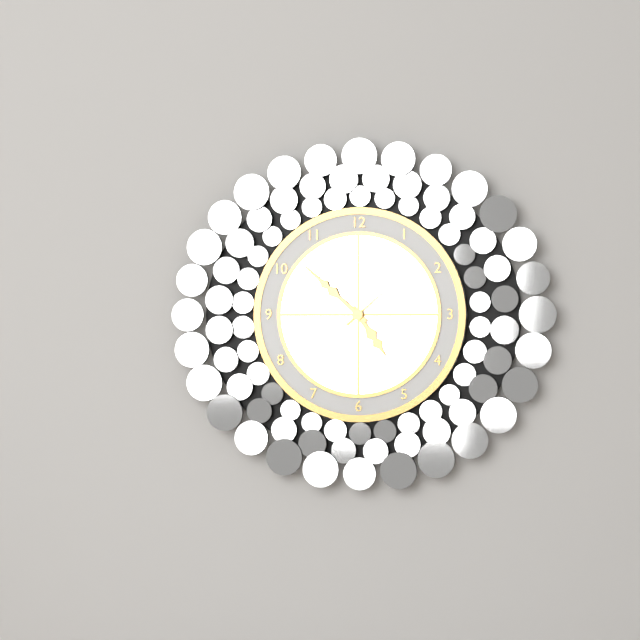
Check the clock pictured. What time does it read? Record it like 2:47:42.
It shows 4:52:08
